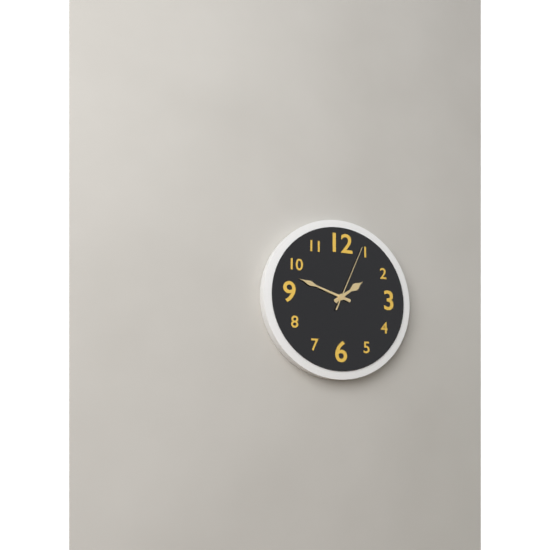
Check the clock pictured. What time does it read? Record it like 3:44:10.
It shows 1:48:04
